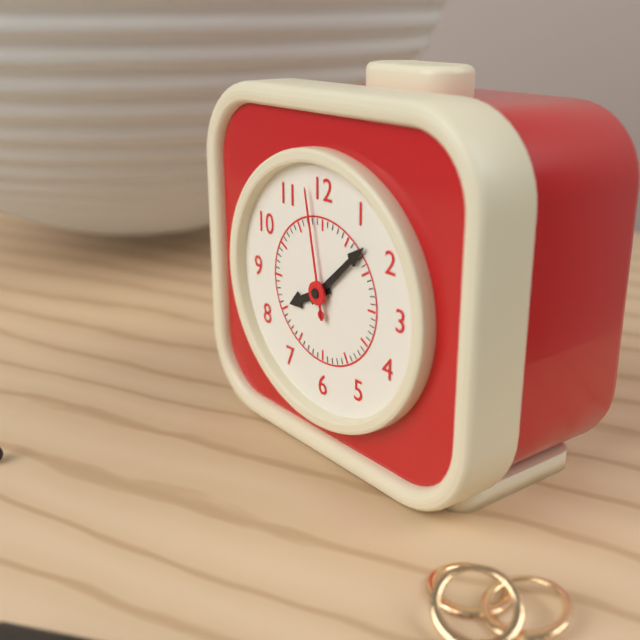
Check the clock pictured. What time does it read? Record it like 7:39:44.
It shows 8:08:58
